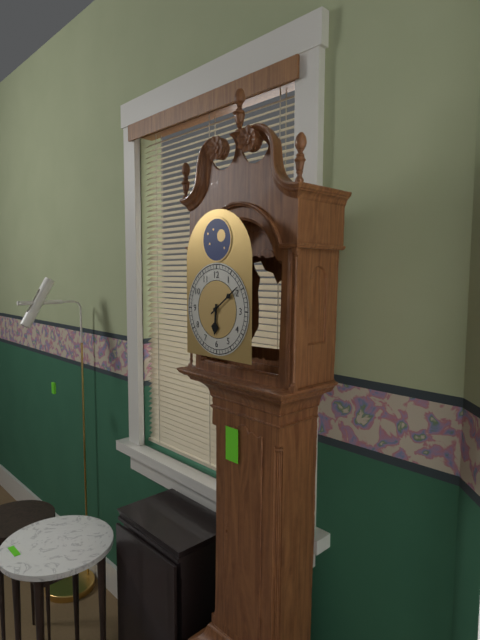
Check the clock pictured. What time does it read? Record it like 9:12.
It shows 6:09
